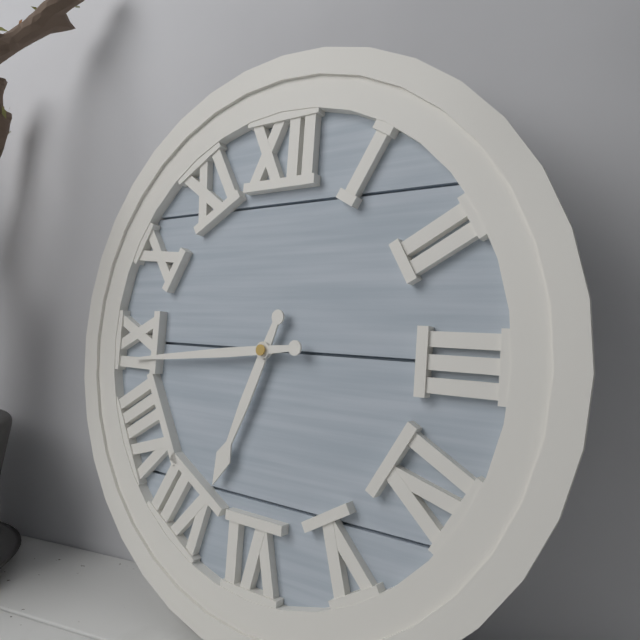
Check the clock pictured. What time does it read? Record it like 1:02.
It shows 6:44
